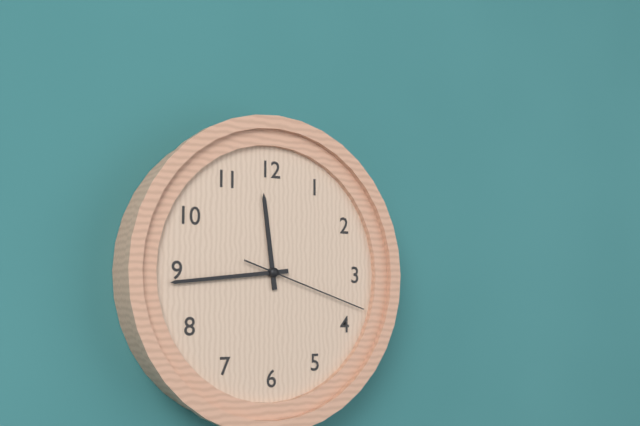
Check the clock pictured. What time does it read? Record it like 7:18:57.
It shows 11:44:18
